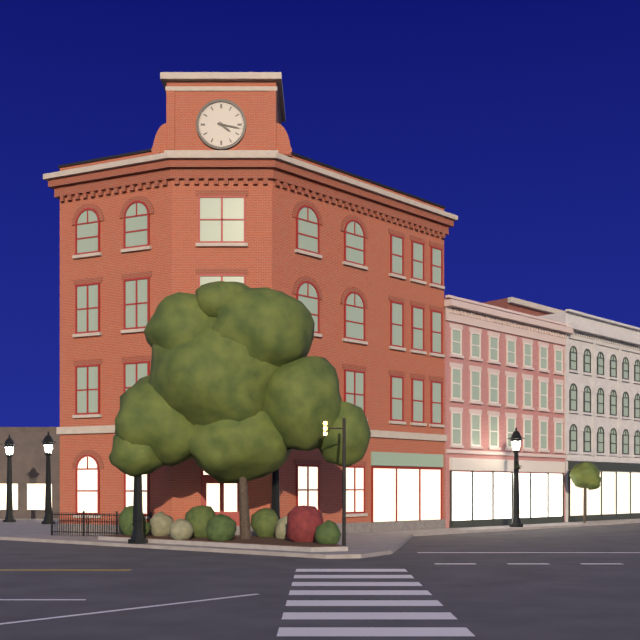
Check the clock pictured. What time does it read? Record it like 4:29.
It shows 4:17
